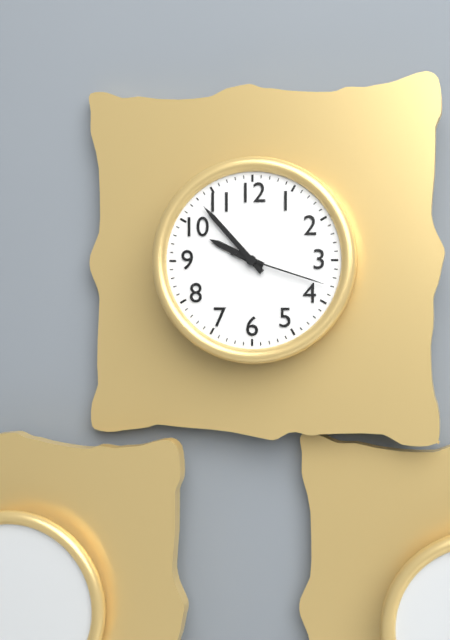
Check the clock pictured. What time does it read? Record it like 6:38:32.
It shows 9:53:18
